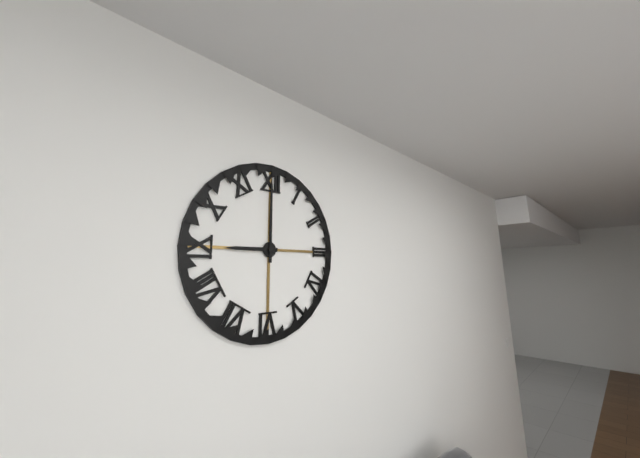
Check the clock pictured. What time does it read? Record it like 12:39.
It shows 9:00
